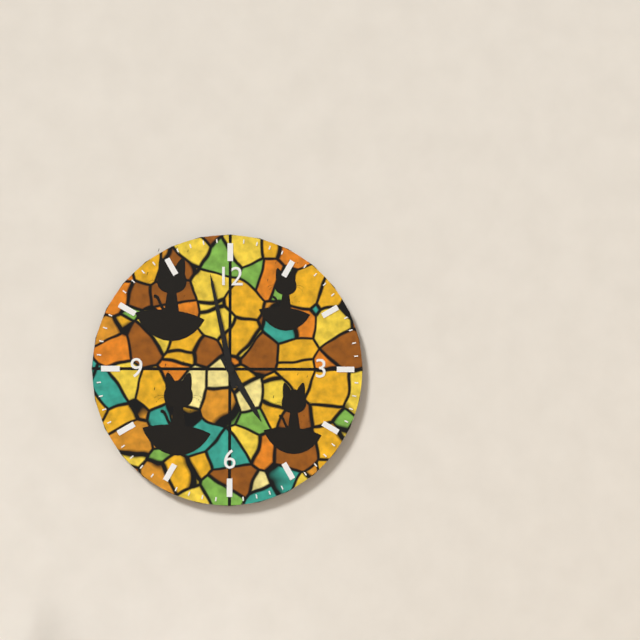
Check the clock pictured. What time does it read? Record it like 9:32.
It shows 4:58
